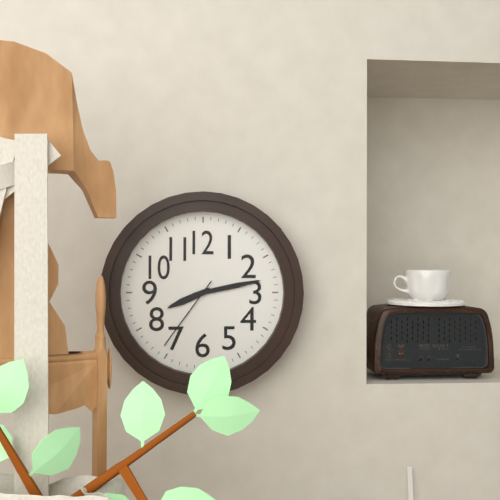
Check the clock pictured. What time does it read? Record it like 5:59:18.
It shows 8:13:36
